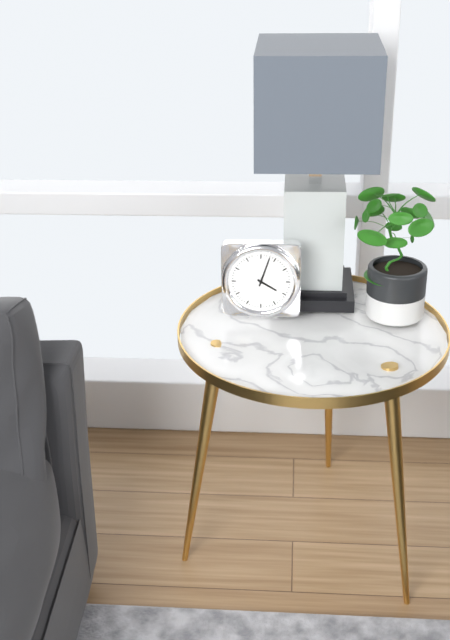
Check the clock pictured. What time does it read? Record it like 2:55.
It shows 4:03
